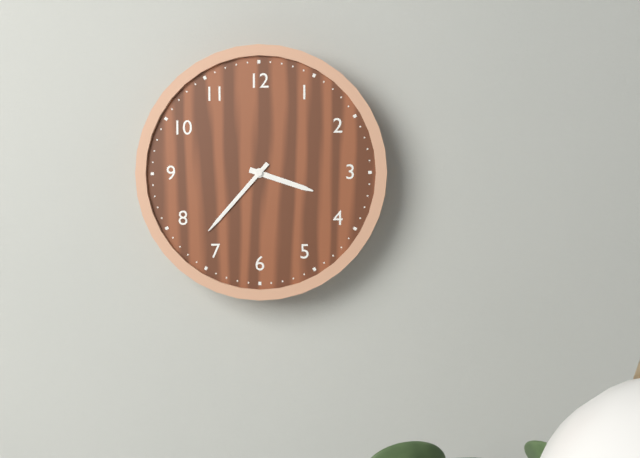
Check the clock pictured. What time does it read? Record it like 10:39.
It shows 3:37
